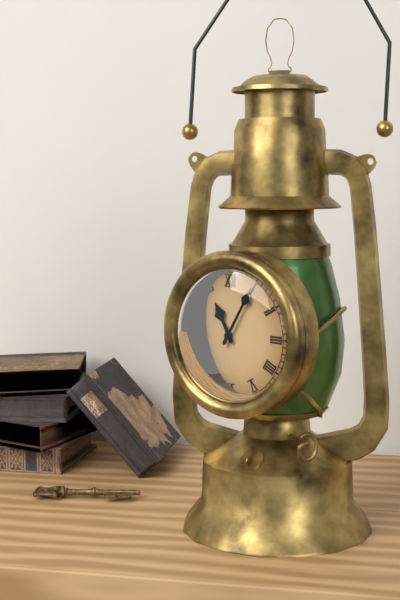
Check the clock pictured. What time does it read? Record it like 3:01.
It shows 11:05
